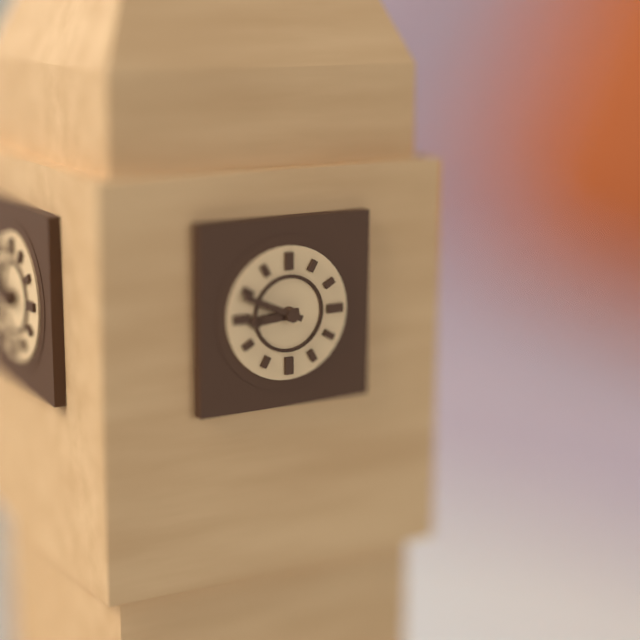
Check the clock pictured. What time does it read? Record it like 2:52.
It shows 8:49
